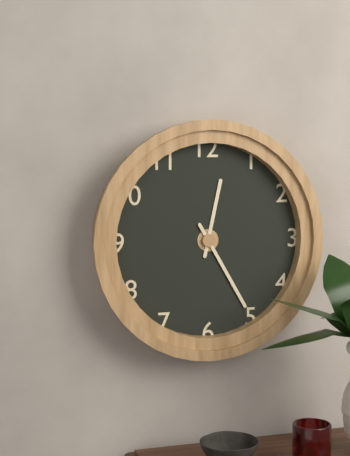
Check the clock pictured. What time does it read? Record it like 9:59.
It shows 12:25
